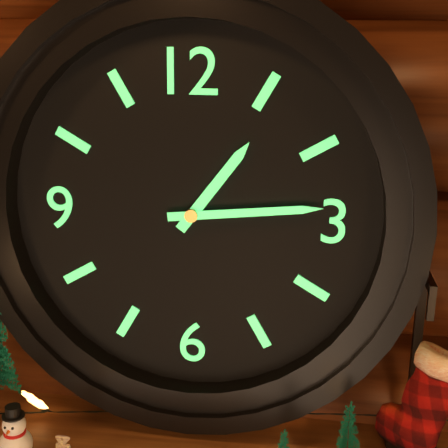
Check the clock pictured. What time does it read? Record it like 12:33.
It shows 1:14
